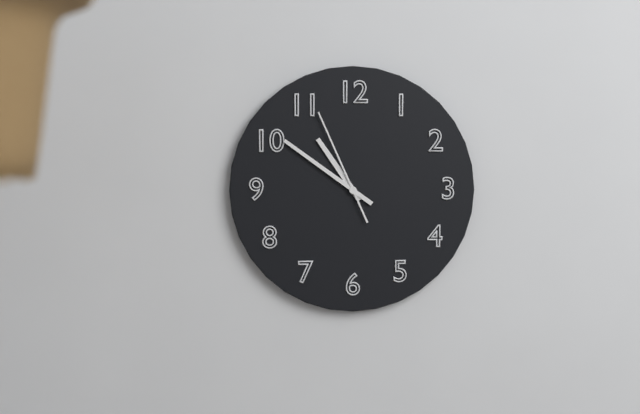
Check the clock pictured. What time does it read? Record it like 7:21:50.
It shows 10:51:56
